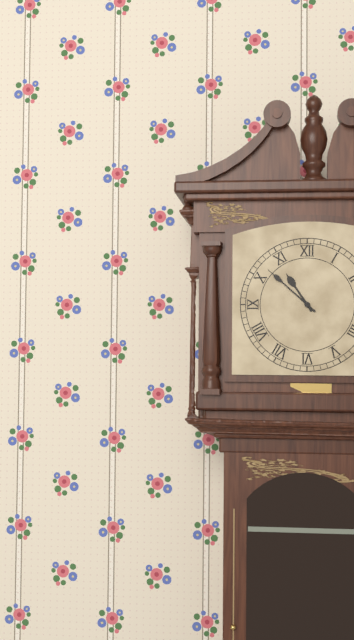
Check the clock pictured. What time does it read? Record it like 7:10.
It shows 10:52
